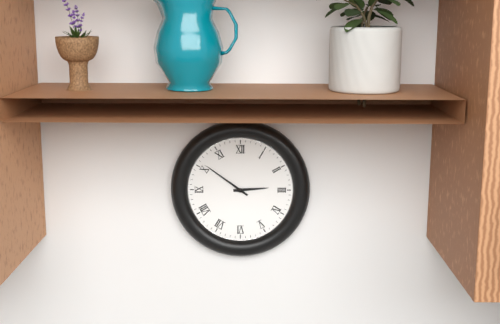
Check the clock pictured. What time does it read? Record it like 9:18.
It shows 2:51
